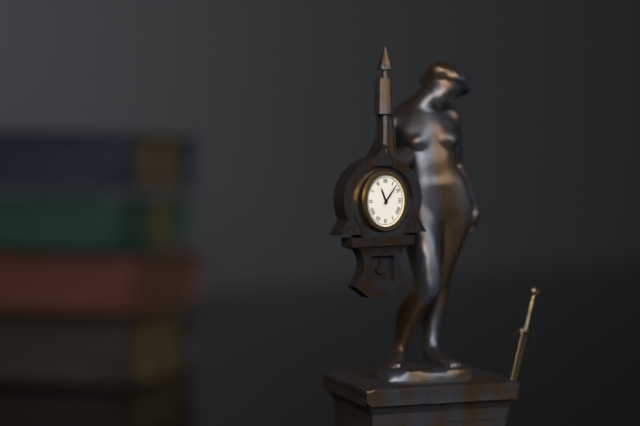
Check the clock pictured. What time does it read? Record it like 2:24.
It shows 11:07
